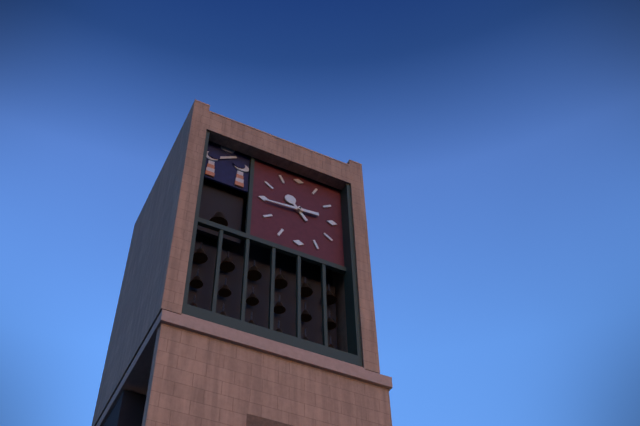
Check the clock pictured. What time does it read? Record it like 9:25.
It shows 10:44
